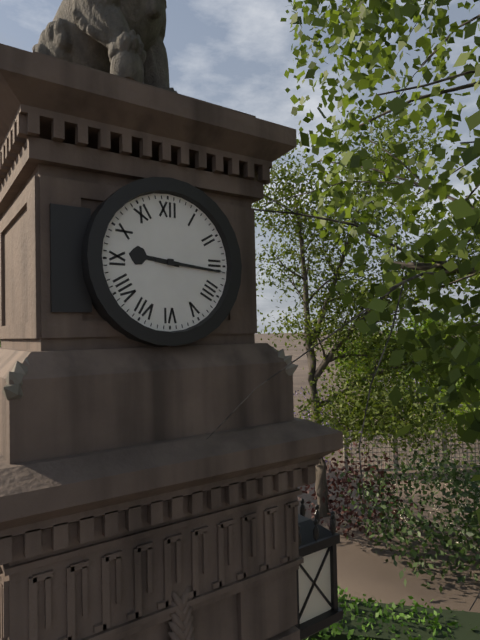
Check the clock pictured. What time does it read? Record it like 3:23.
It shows 9:16
